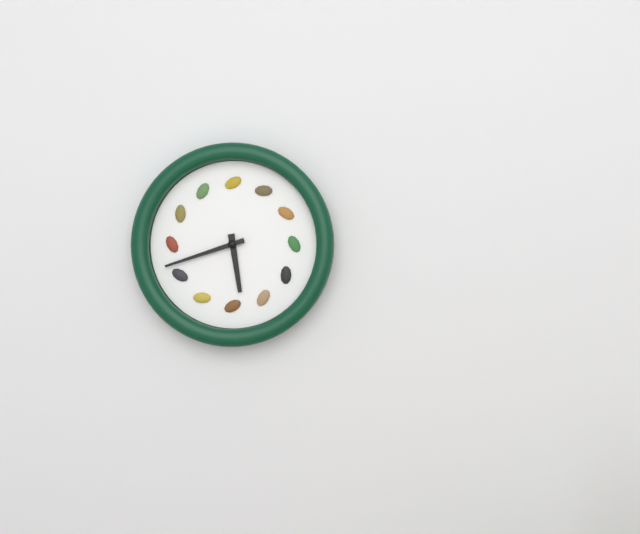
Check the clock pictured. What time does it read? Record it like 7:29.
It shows 5:42
